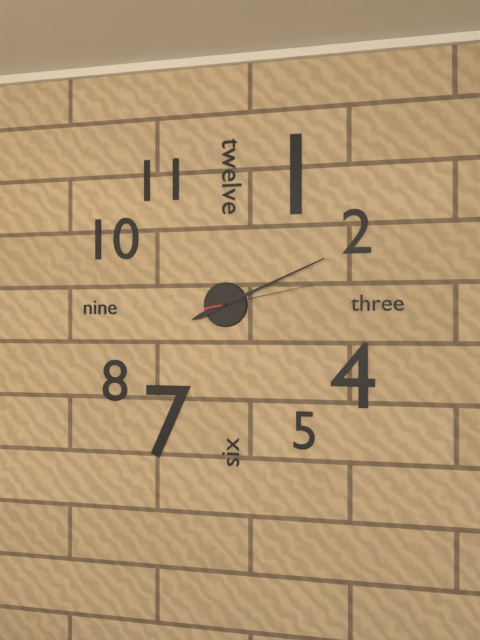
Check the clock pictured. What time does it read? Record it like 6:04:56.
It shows 8:11:13
